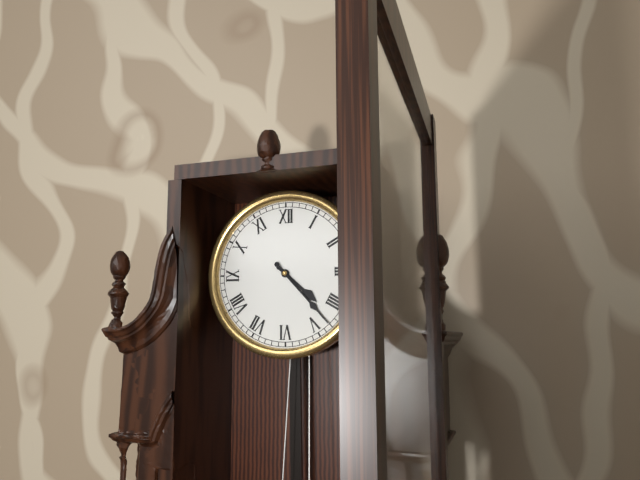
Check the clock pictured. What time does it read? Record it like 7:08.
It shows 4:23
